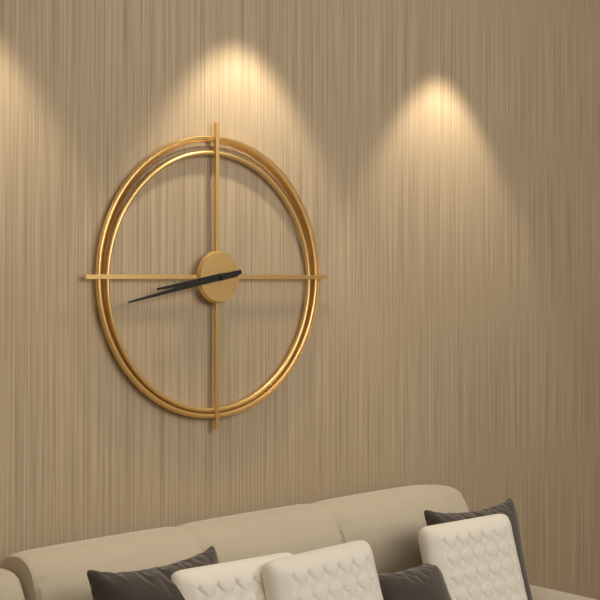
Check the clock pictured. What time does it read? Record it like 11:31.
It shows 8:43
